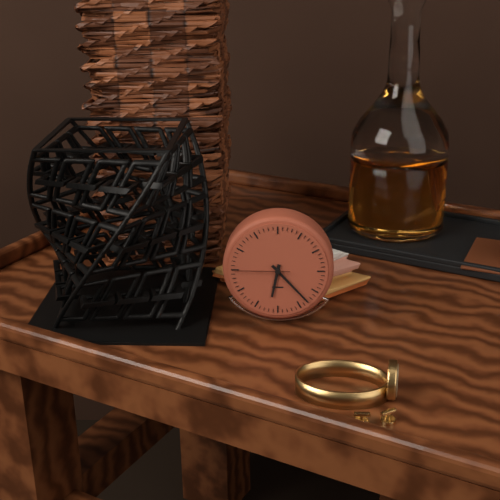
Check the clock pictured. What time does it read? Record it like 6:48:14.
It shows 6:23:45
